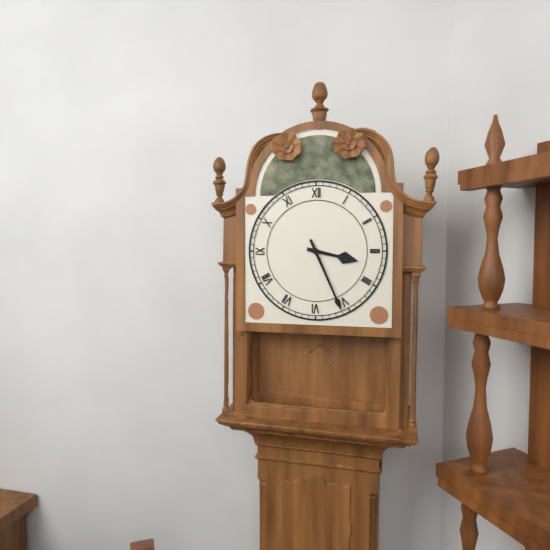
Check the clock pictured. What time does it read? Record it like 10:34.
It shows 3:26
